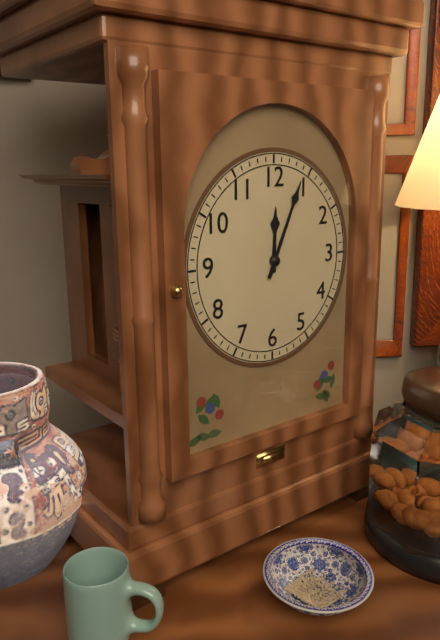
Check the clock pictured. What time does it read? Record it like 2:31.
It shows 12:04
